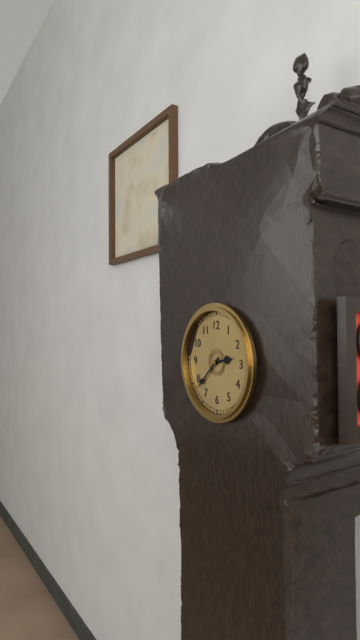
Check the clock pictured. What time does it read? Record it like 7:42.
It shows 2:38
